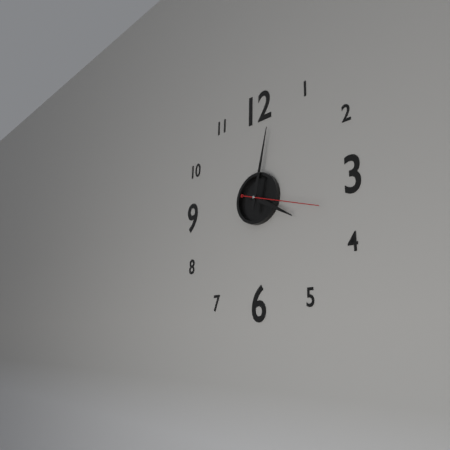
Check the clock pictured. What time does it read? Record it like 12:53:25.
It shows 4:02:18
